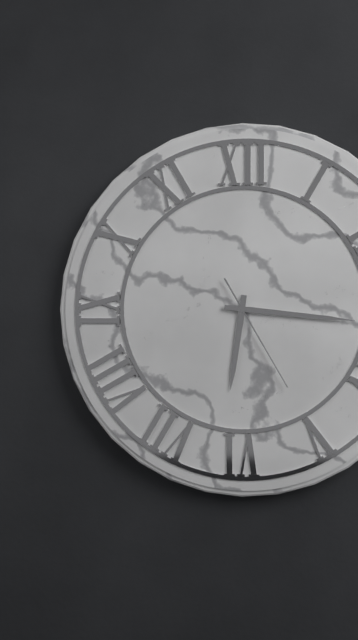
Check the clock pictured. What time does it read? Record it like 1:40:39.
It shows 6:16:25
